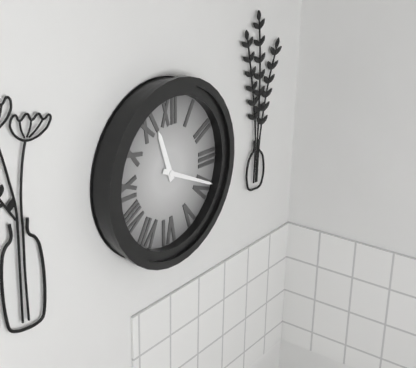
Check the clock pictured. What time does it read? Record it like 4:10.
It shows 11:19
